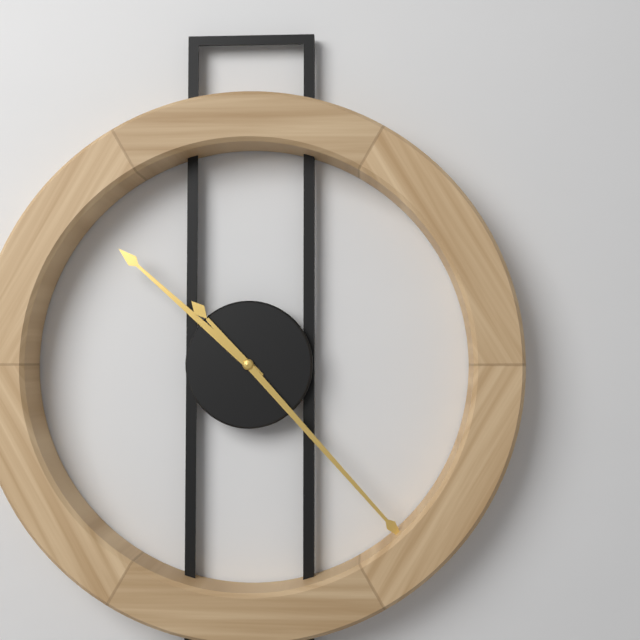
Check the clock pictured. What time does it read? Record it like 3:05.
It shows 10:23
